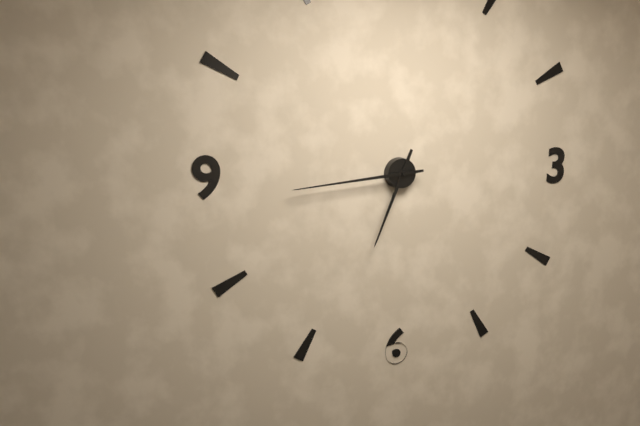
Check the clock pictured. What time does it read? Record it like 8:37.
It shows 6:44
